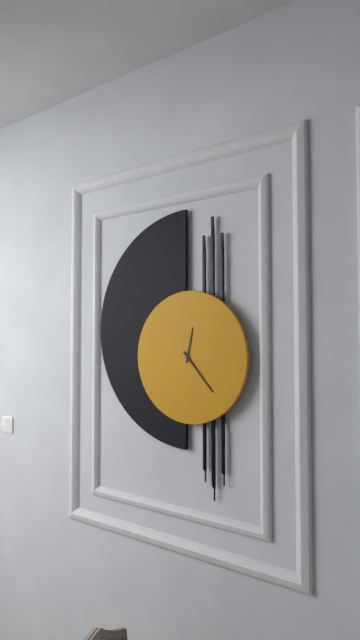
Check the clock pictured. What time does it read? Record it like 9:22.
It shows 12:23
